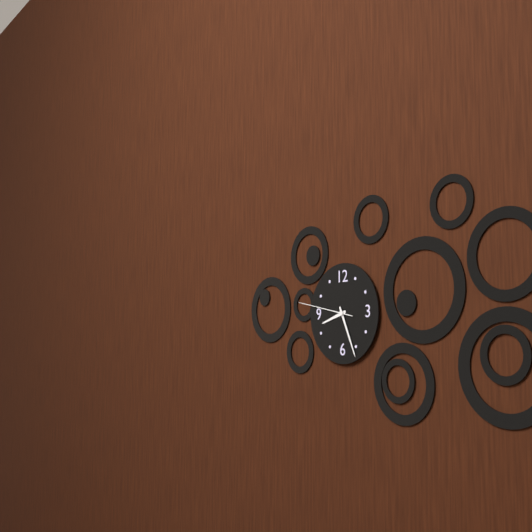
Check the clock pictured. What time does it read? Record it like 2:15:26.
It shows 8:26:47
